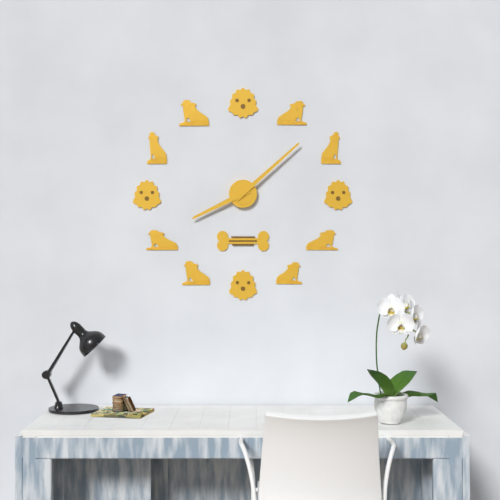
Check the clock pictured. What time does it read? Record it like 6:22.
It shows 8:08
